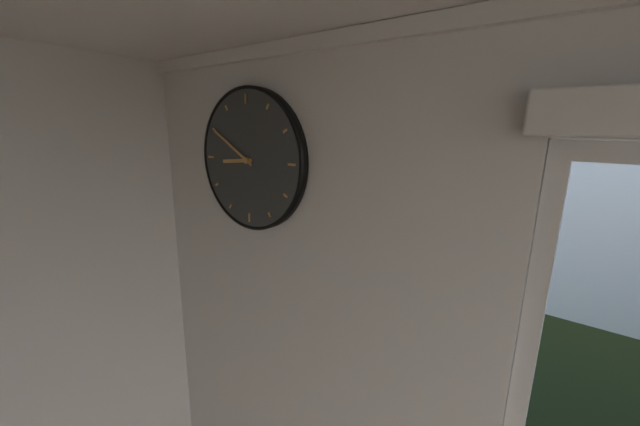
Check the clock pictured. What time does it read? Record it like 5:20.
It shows 8:50
